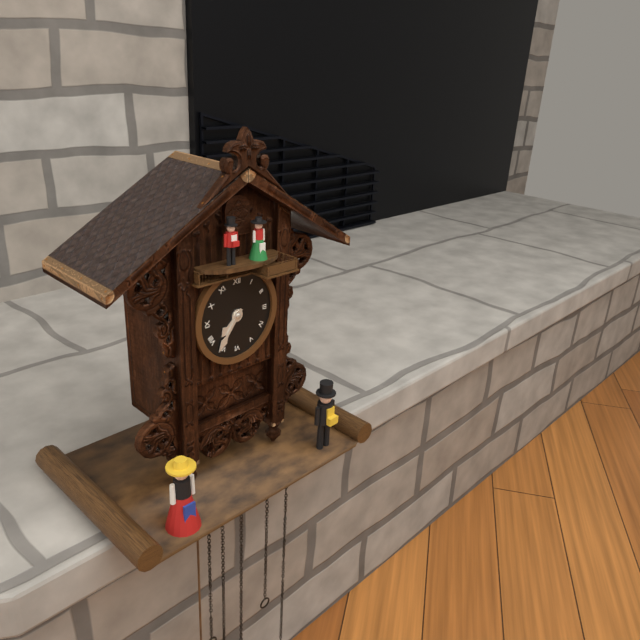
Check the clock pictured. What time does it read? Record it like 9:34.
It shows 7:36
